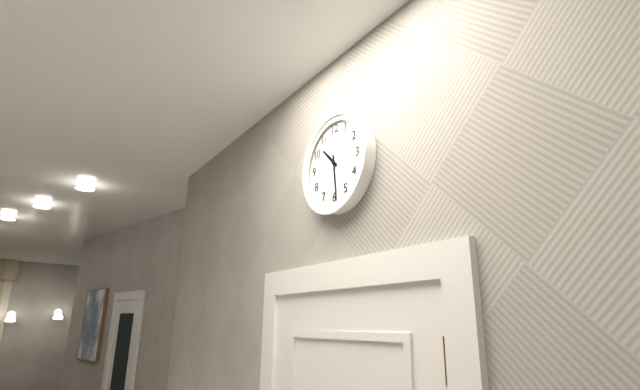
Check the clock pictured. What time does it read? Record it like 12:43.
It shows 10:29
